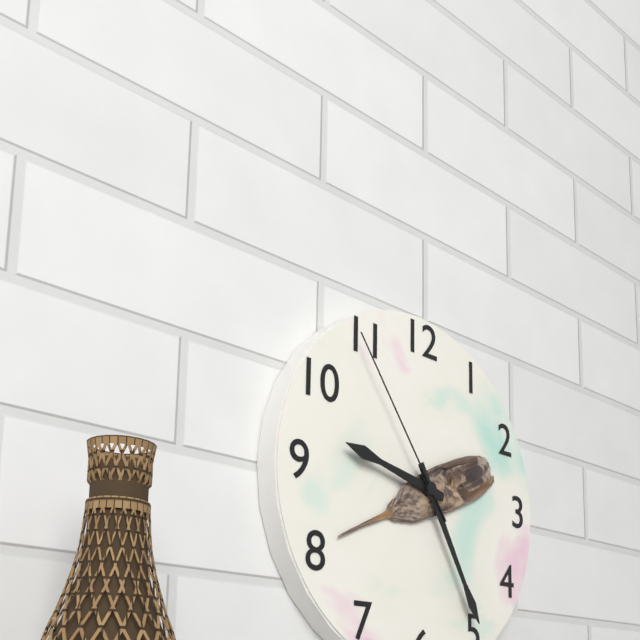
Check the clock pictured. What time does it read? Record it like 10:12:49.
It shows 9:25:54
